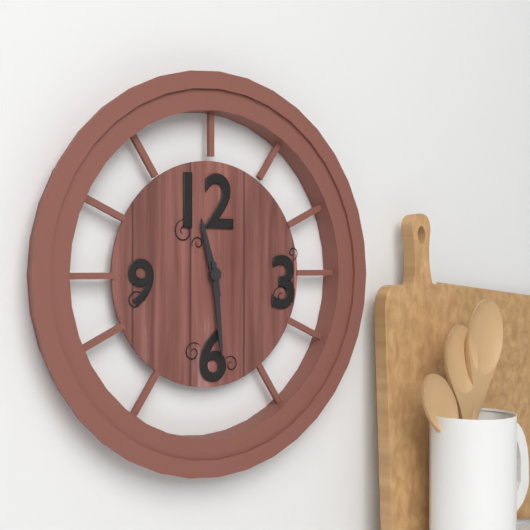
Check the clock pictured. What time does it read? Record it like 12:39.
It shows 11:29
